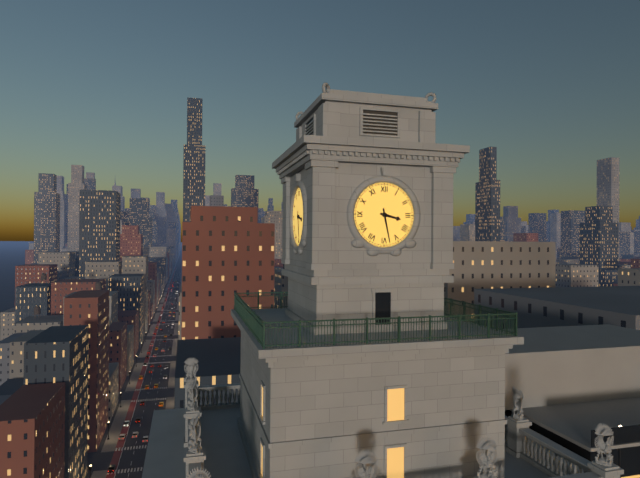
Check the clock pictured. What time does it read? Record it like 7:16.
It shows 3:28
